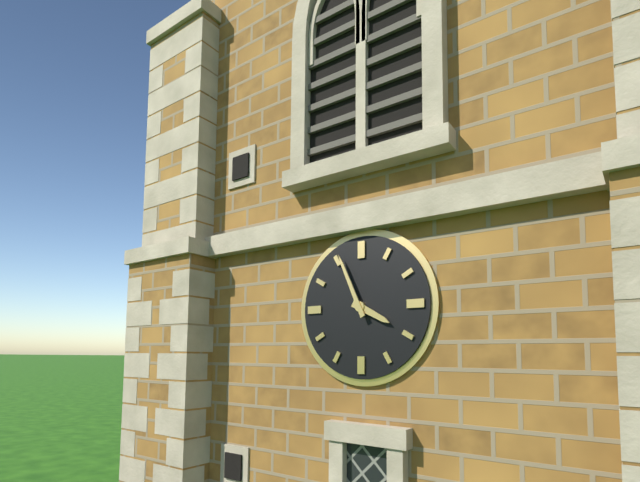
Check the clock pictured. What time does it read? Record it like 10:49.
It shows 3:56
